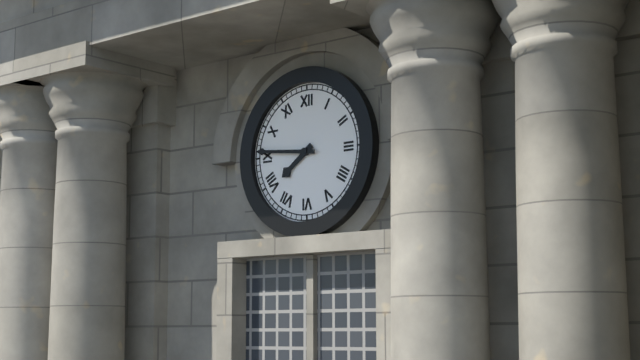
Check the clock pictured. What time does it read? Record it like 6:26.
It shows 7:46
